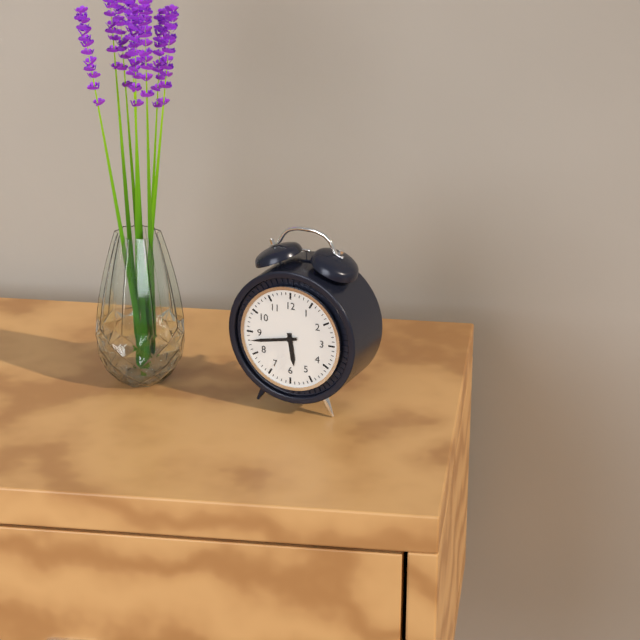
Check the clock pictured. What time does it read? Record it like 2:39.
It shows 5:43
